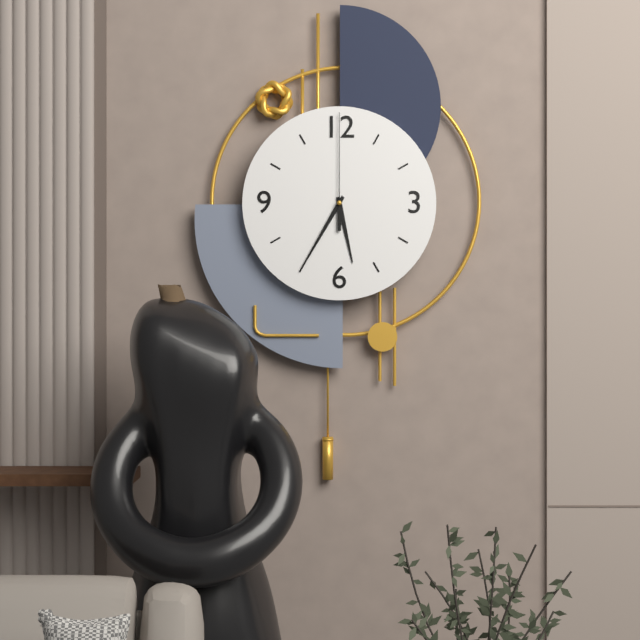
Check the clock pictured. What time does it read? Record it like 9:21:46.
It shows 5:35:00
